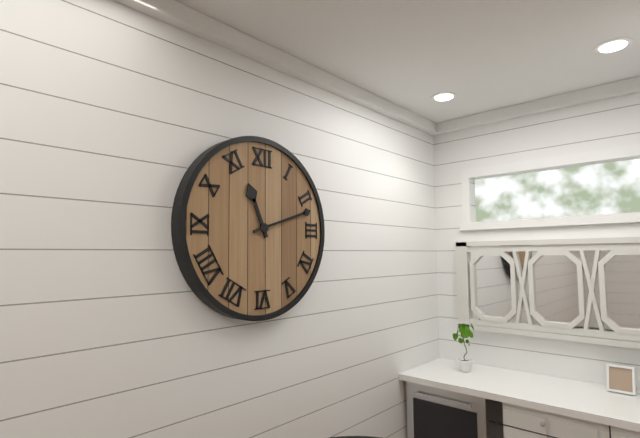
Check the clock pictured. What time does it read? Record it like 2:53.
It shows 11:12
